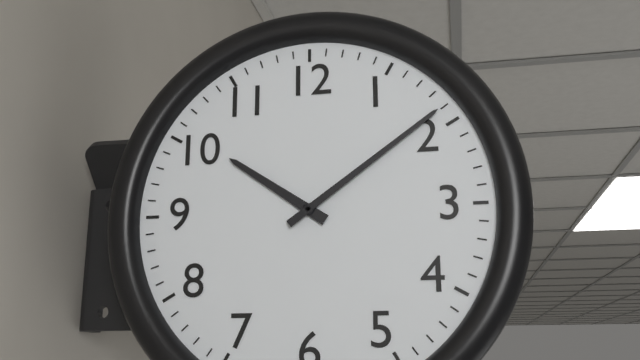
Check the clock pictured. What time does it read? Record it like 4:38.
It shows 10:09
